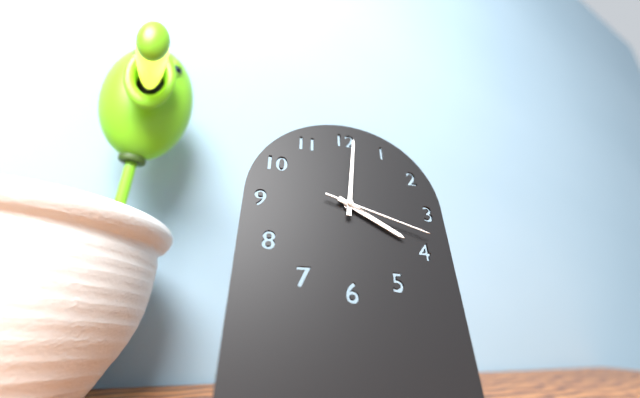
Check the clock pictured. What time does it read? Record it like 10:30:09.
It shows 4:01:18
